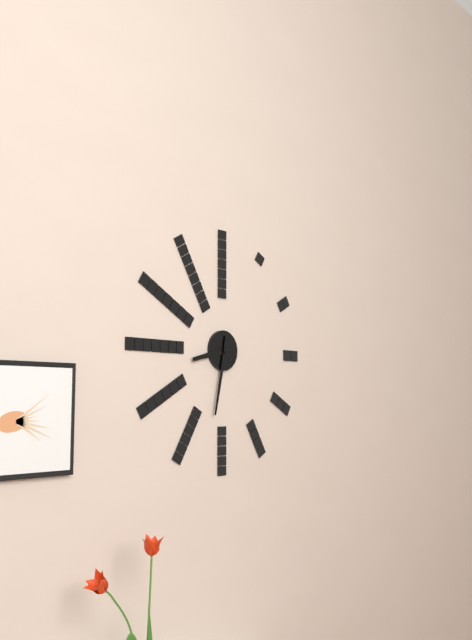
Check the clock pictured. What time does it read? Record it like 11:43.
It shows 8:32
